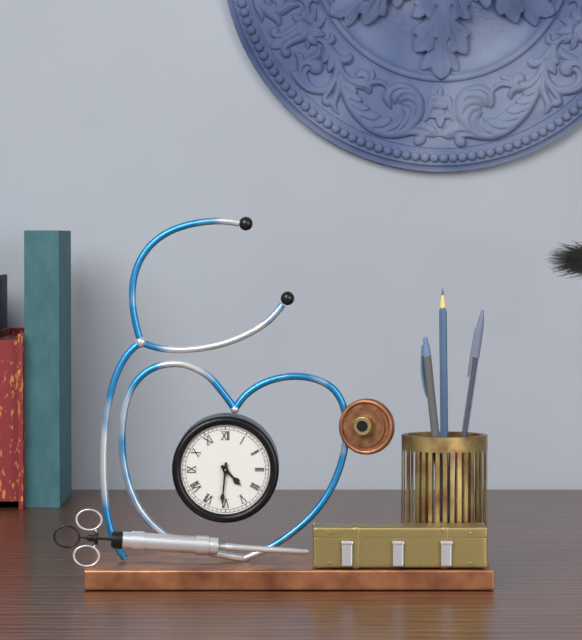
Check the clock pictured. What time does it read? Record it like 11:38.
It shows 4:31
